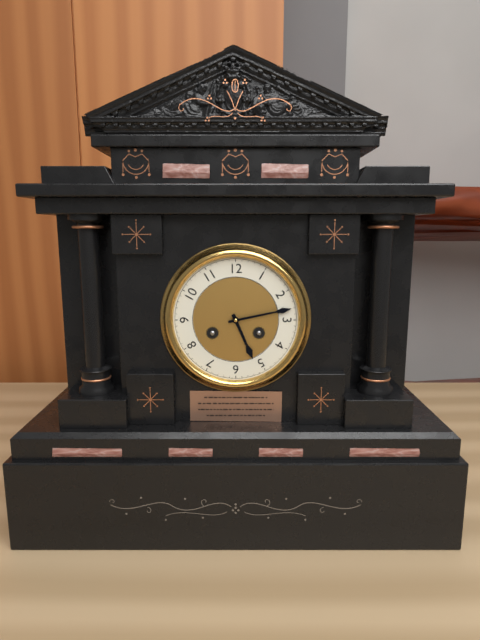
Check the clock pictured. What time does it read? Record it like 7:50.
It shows 5:13
